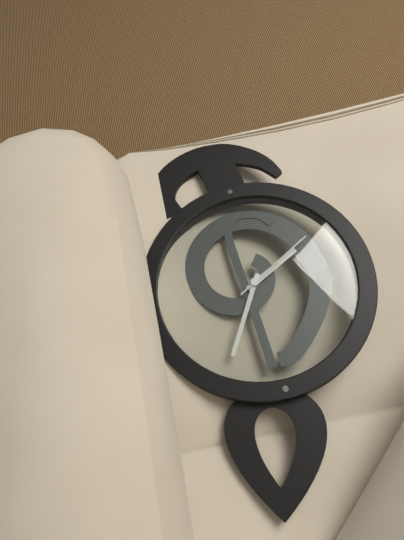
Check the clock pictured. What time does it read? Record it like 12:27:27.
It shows 8:05:40
